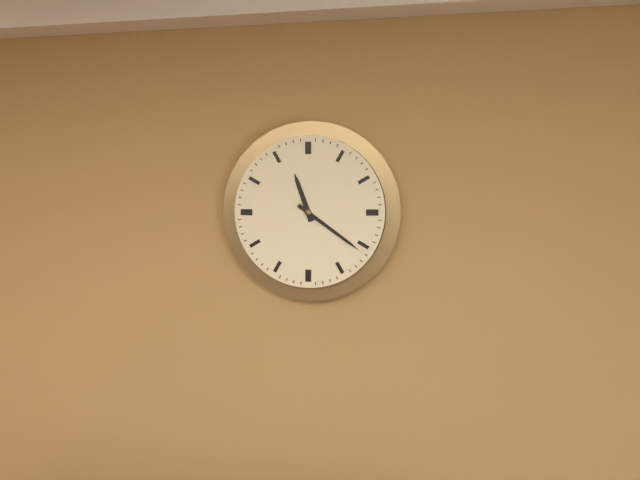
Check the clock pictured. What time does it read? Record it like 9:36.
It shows 11:21
